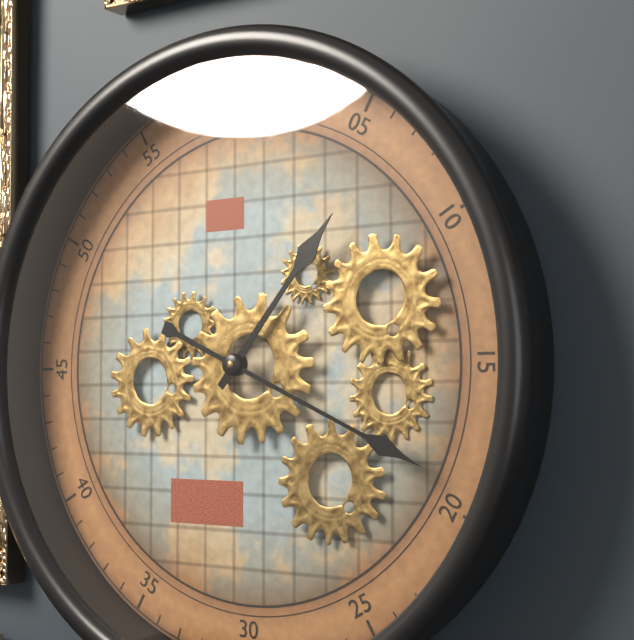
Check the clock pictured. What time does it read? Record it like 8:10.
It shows 1:19
